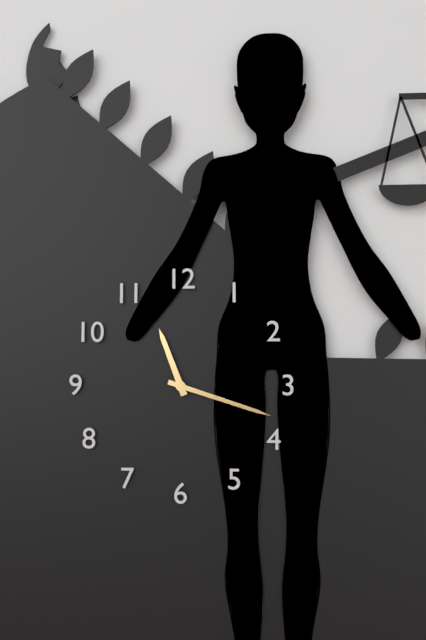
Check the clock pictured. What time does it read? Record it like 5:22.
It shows 11:18
